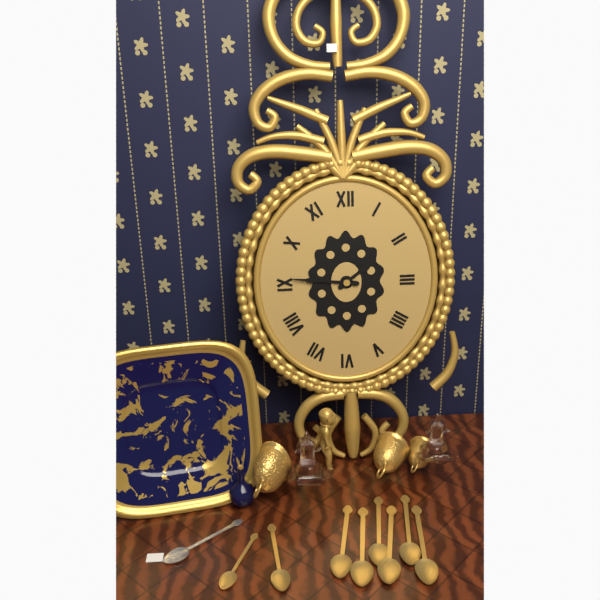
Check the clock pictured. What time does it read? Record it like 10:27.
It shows 1:46
